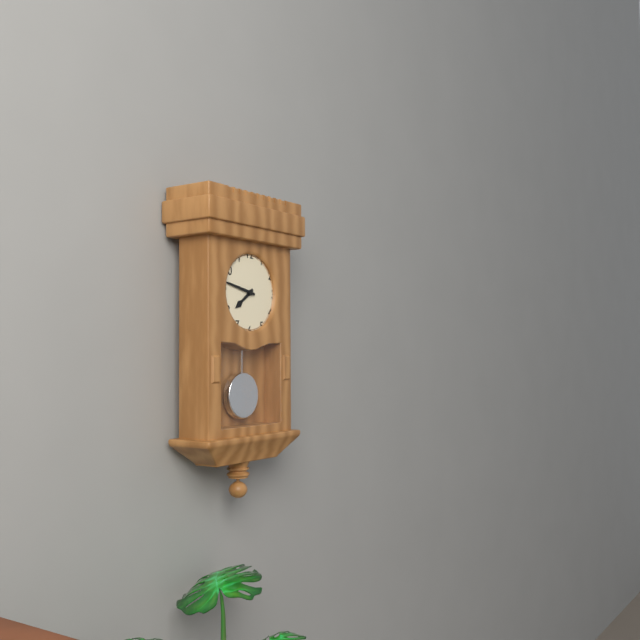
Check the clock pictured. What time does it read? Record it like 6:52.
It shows 7:47
